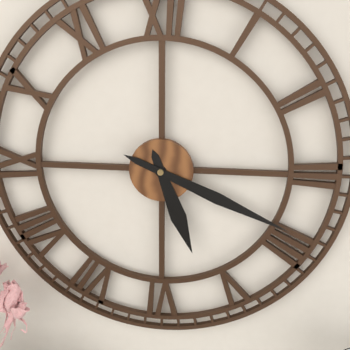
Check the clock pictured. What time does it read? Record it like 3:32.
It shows 5:19
